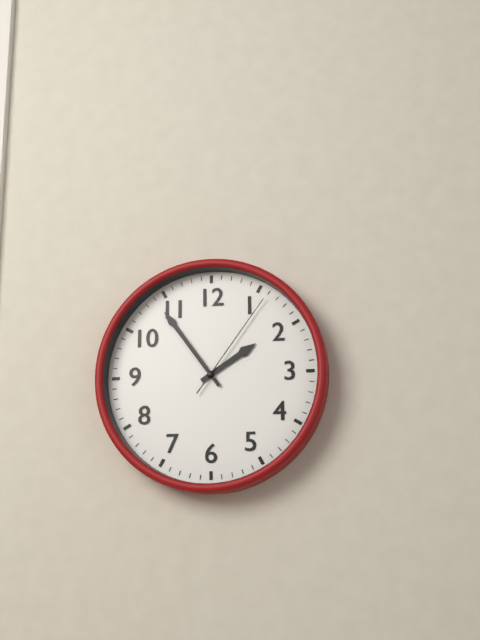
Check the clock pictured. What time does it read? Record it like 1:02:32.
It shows 1:54:06
